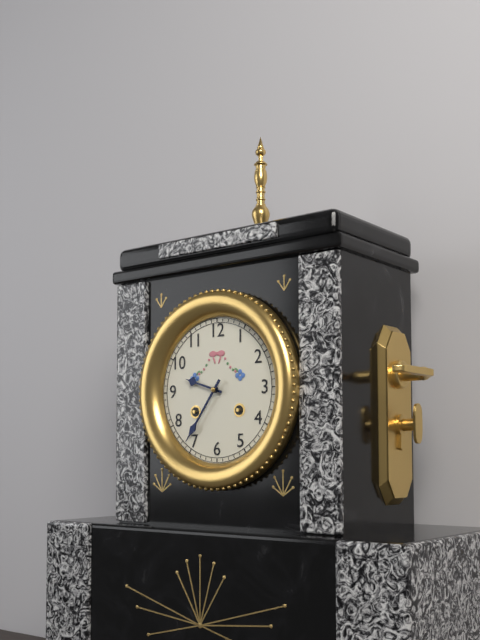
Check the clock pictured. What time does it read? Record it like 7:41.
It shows 9:36
